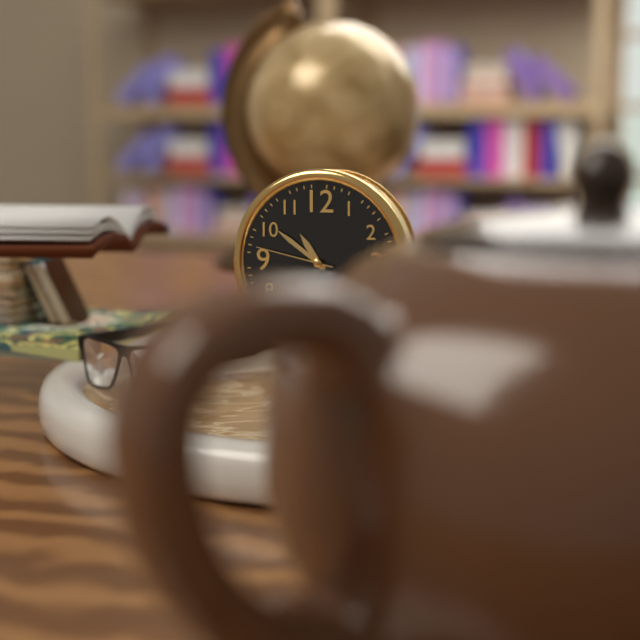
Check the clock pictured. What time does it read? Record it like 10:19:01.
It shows 10:51:47
